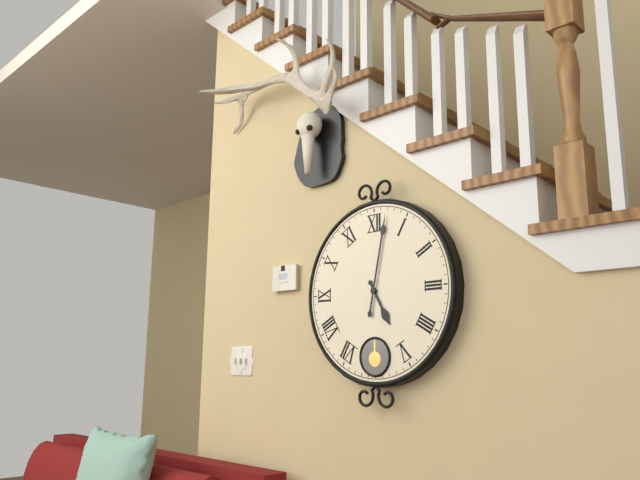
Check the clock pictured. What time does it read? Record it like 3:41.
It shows 5:02
